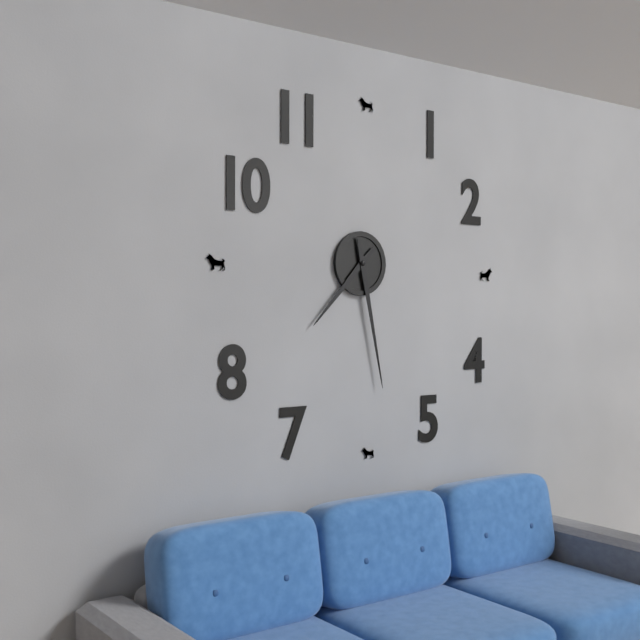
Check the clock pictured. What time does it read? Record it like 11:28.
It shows 7:28
